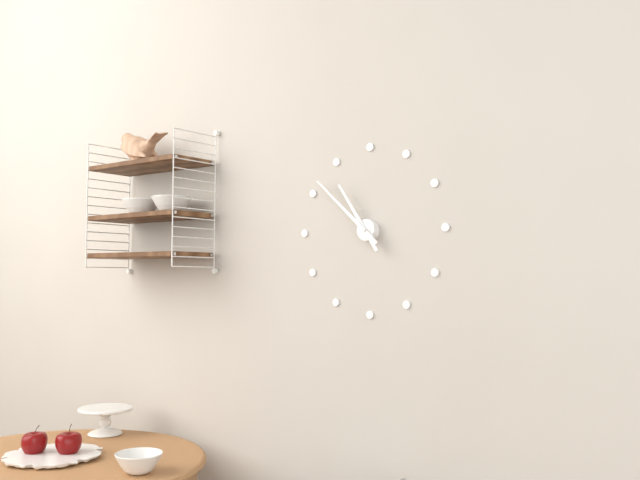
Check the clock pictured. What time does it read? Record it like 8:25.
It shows 10:52
